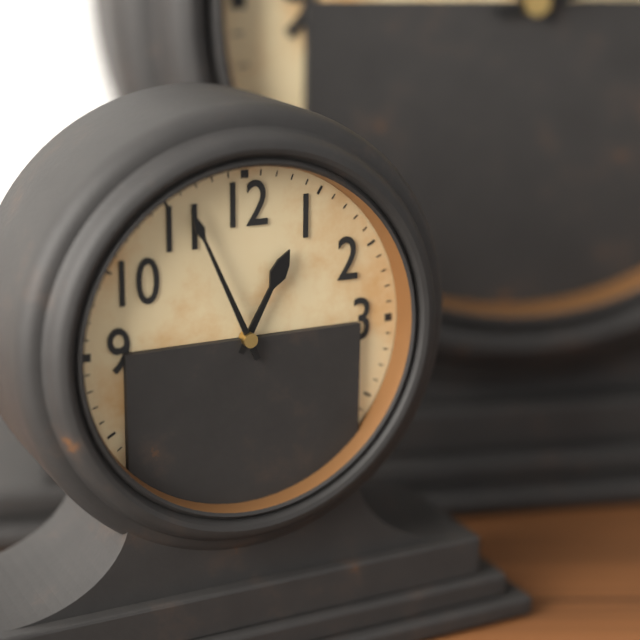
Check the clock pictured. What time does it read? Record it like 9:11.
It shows 12:56
